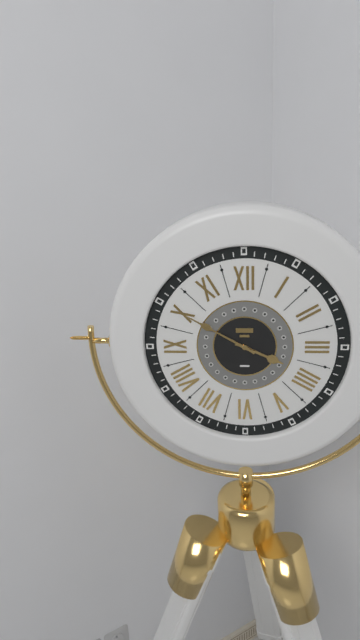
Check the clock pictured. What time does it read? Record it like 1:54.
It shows 3:50
